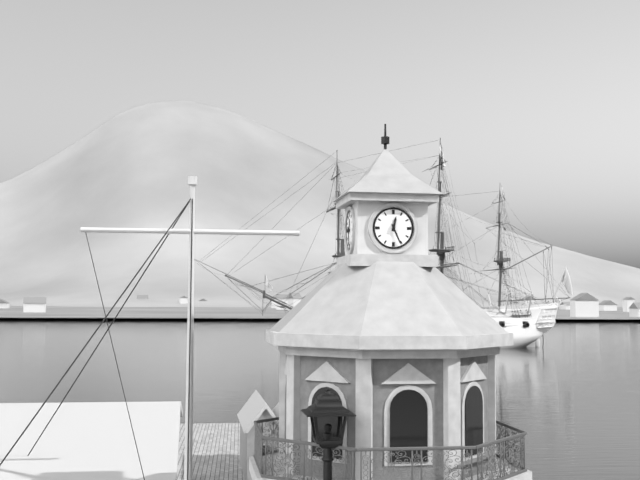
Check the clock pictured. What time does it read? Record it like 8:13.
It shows 12:26
